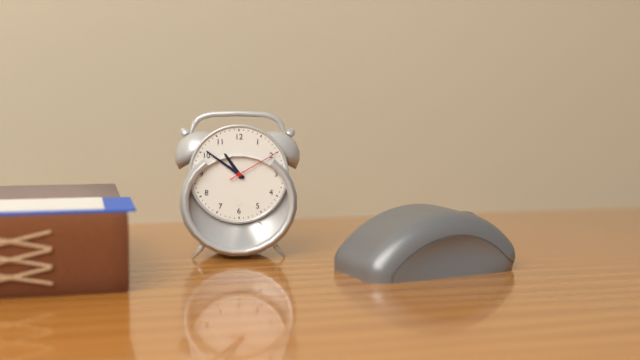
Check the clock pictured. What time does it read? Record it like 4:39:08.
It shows 10:51:10
